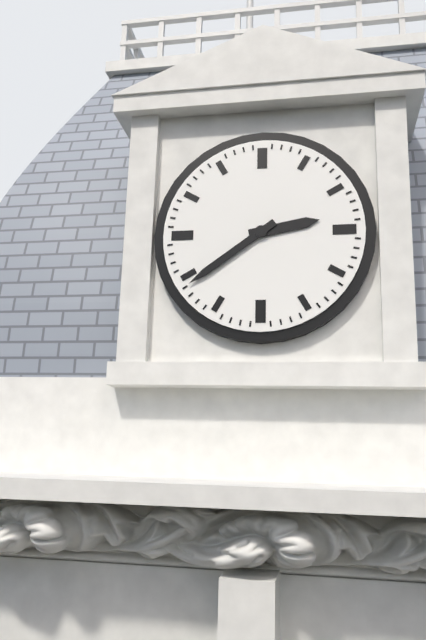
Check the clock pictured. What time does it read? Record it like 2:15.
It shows 2:39
